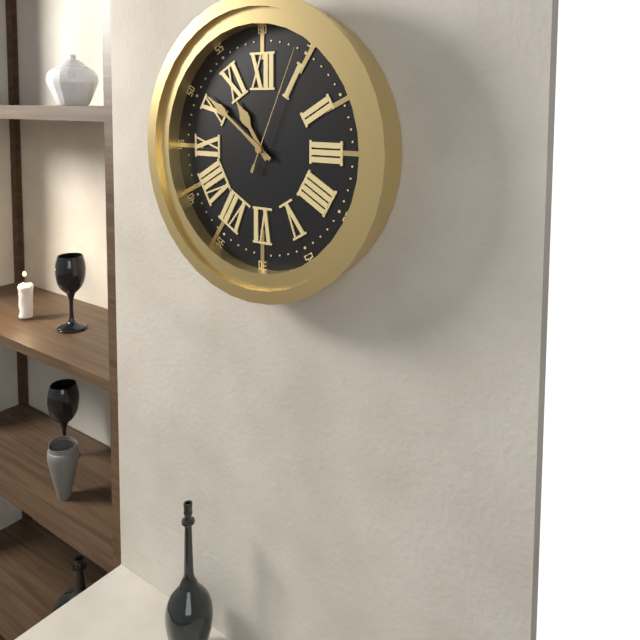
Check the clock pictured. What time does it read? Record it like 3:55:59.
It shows 10:51:04
